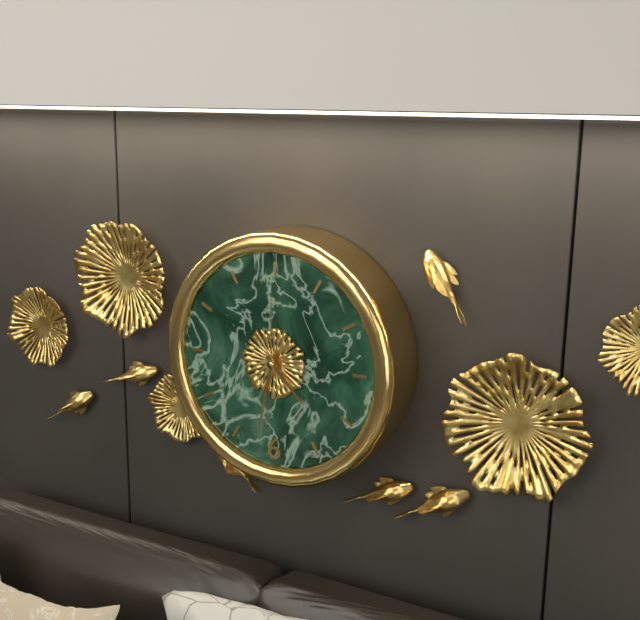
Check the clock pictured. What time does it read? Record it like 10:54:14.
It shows 4:32:00
